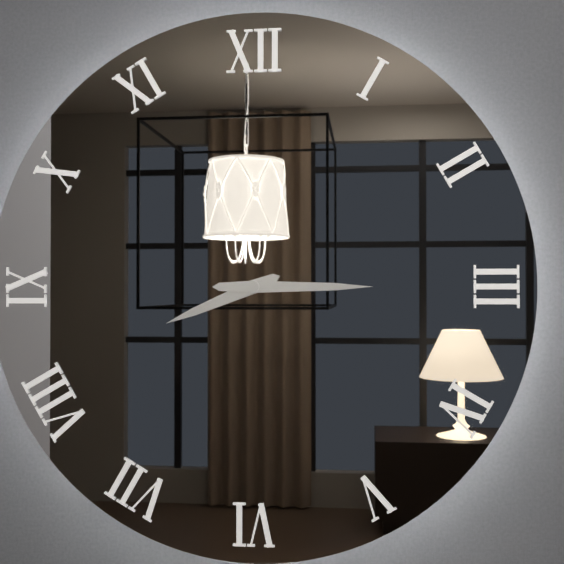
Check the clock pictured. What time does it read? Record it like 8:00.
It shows 8:15
